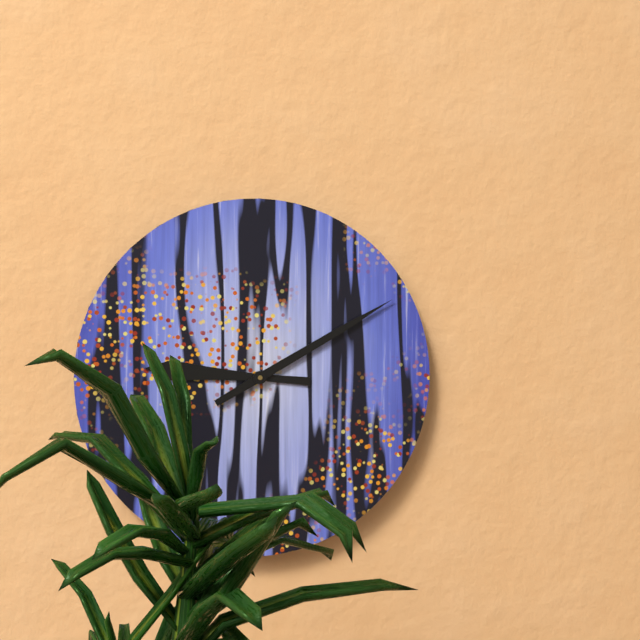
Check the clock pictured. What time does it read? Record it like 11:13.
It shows 9:10
